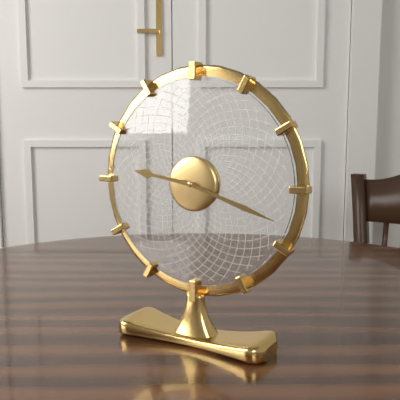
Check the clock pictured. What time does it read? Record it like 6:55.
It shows 9:18
